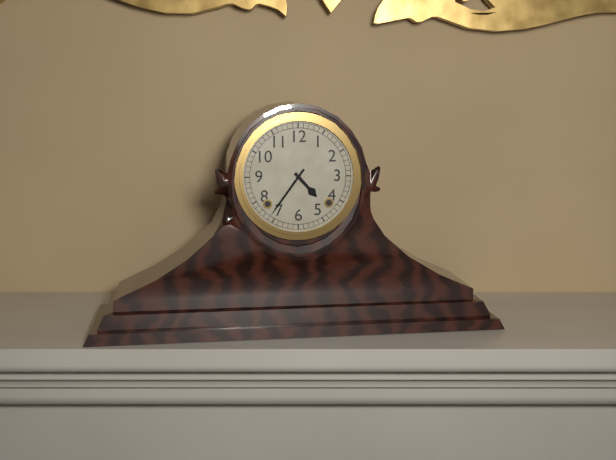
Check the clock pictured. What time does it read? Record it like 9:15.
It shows 4:36
